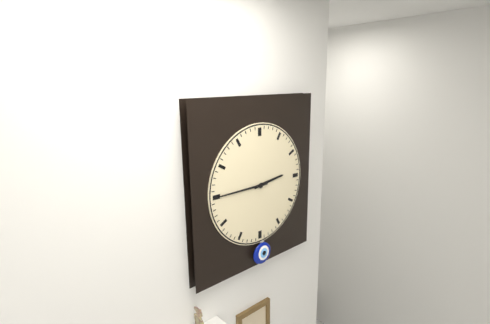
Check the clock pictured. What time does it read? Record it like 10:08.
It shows 2:45
